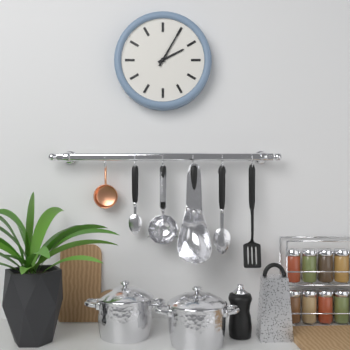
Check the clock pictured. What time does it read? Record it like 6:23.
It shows 2:05
